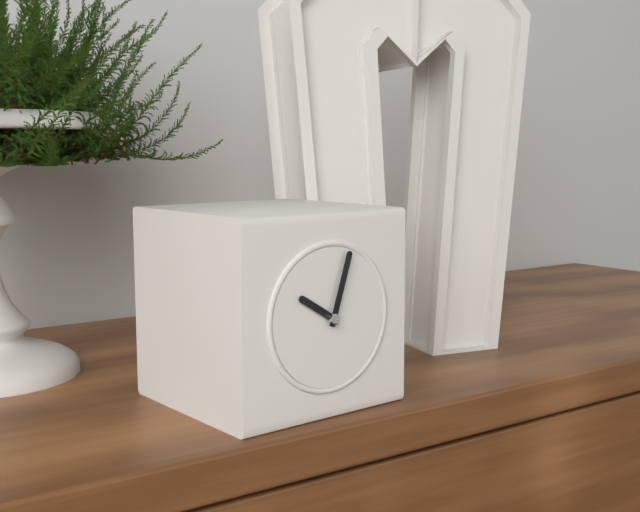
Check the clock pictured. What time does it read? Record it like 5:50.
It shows 10:03
